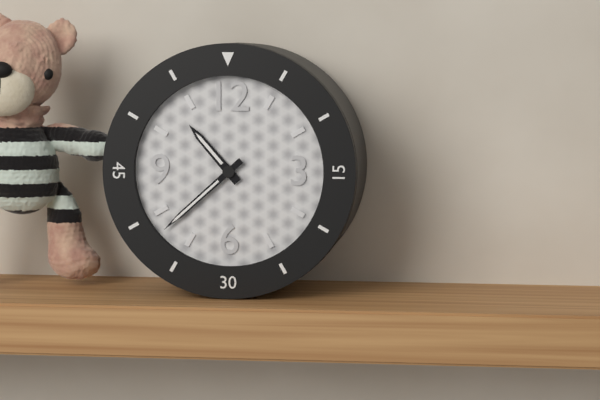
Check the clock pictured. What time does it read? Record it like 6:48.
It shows 10:38
